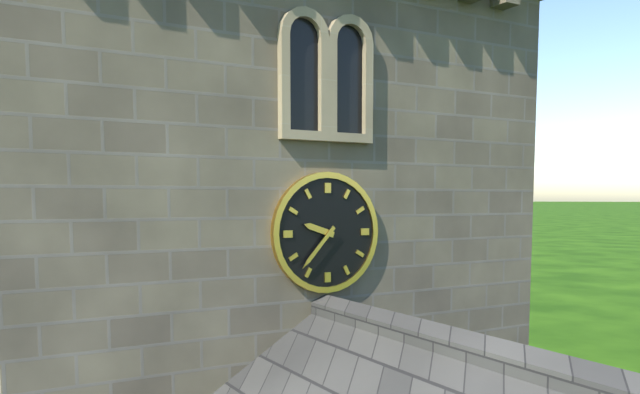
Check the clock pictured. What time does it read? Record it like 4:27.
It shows 9:37
